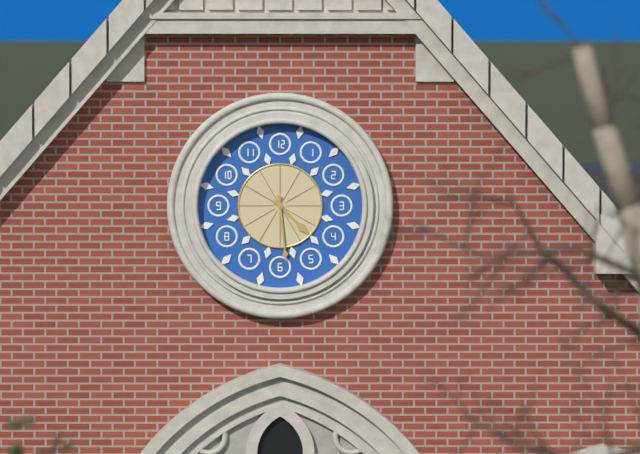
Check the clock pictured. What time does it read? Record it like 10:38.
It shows 4:29
